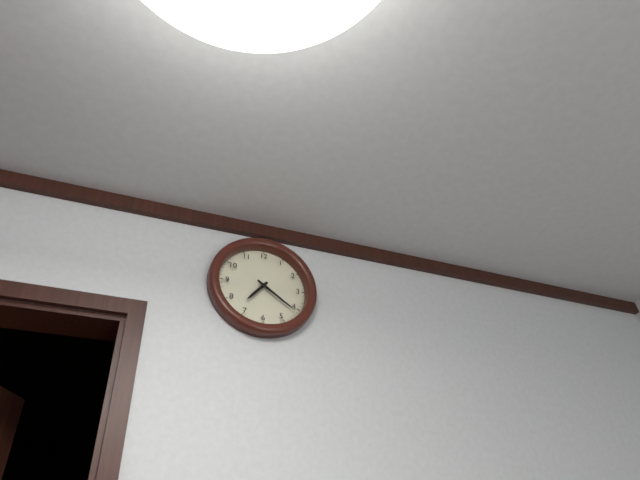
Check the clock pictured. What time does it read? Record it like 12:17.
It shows 7:21
